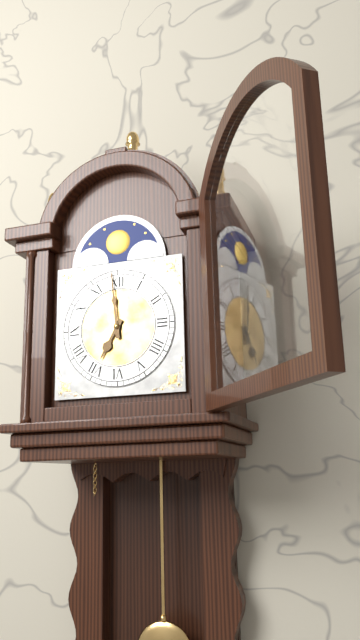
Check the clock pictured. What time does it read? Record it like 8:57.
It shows 6:59
